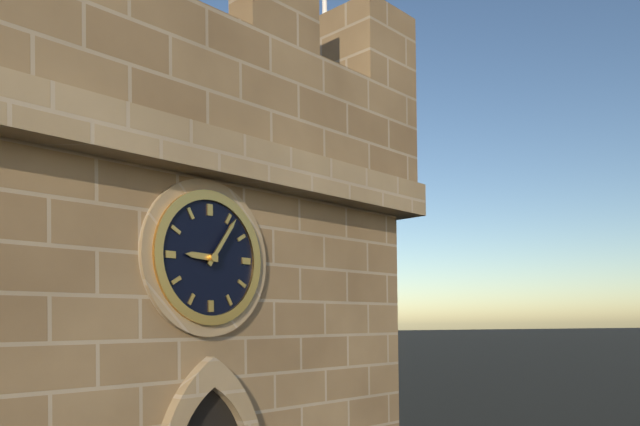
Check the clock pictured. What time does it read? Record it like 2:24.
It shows 9:06
